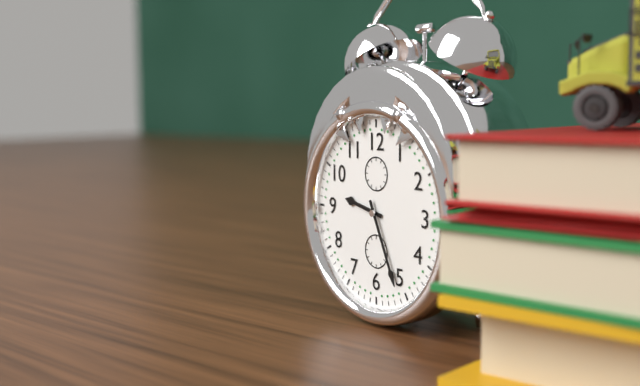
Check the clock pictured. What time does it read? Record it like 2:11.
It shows 9:26
